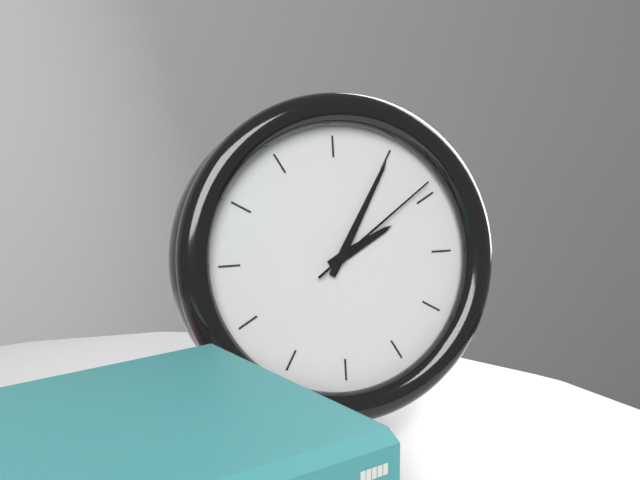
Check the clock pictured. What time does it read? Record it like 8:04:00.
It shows 2:05:09
